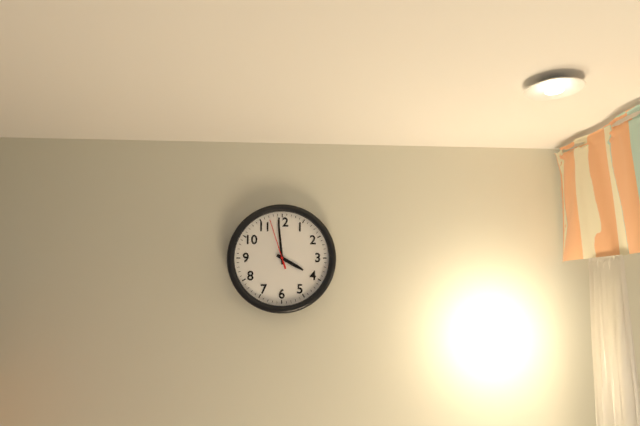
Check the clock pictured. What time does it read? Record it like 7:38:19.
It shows 3:59:57
